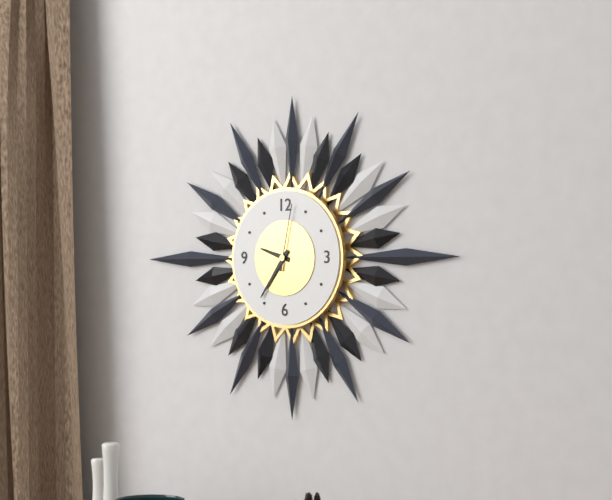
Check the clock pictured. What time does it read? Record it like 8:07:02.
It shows 9:36:02
